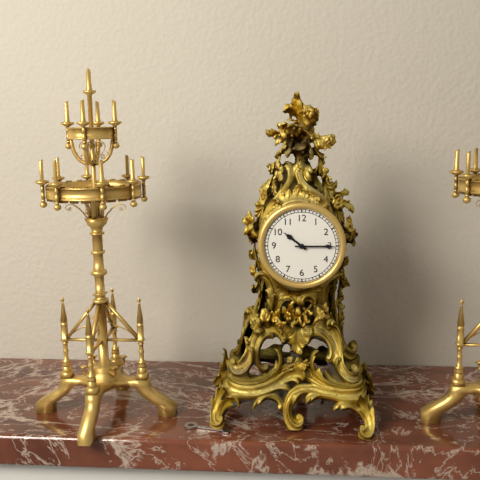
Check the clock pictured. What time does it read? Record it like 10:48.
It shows 10:15
